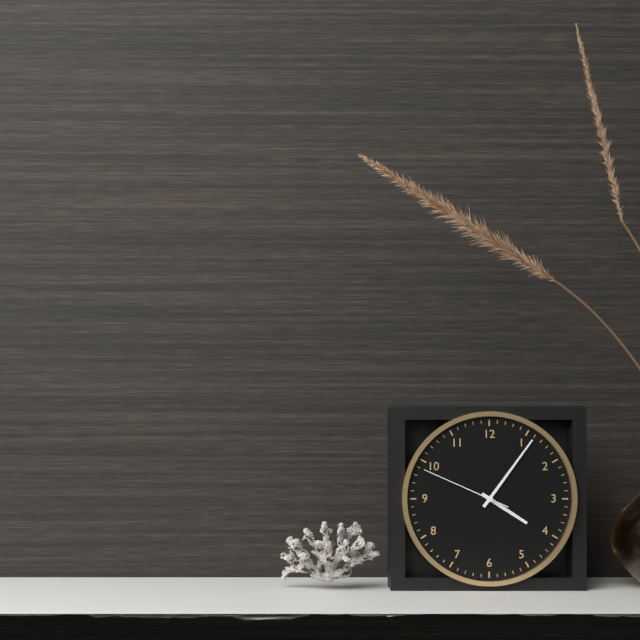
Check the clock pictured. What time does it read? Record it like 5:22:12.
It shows 4:06:49
